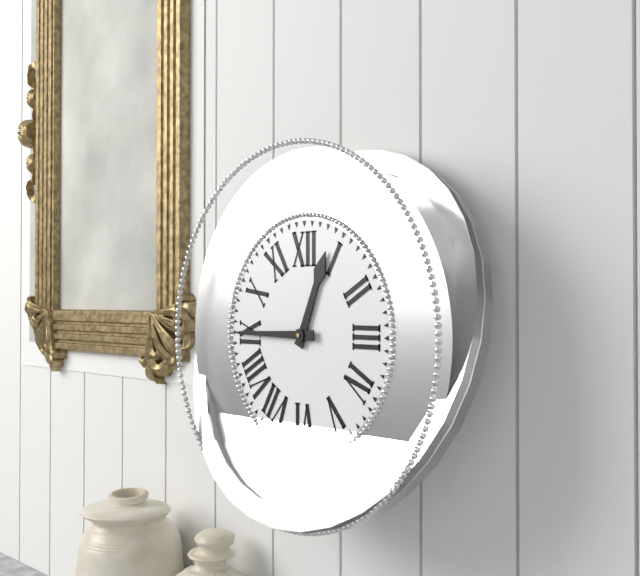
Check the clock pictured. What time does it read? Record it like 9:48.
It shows 12:45
